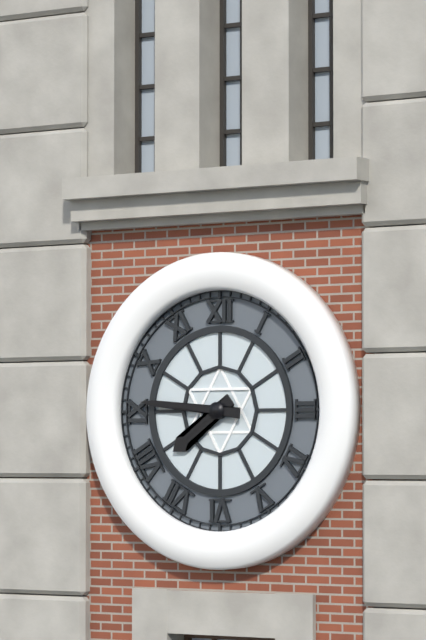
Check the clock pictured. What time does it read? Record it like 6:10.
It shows 7:46
